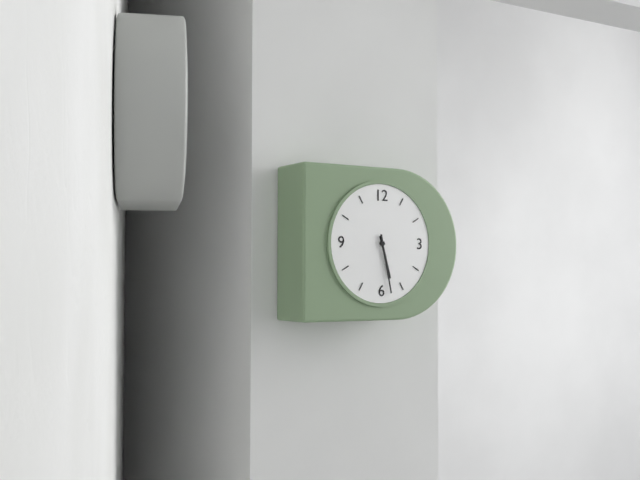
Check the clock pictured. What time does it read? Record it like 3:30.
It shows 5:28
